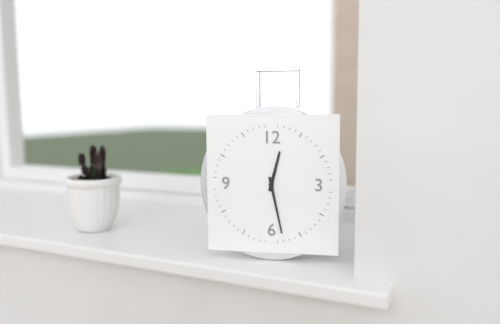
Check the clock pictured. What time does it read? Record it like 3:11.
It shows 12:28
